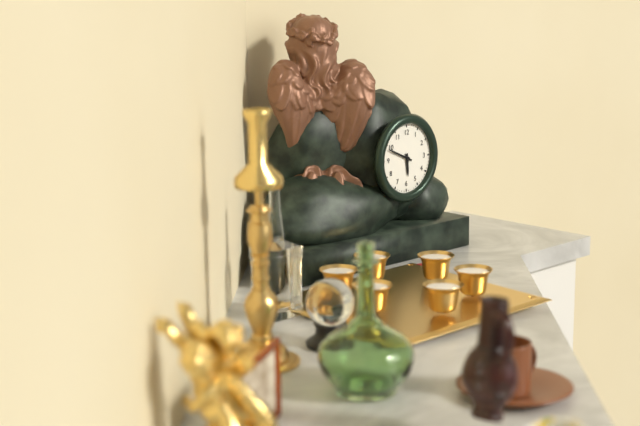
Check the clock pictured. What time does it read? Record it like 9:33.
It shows 5:49
